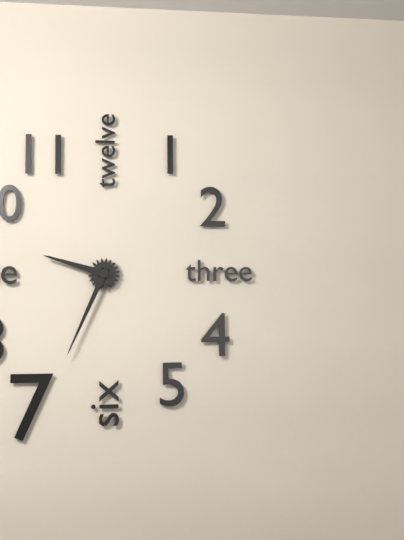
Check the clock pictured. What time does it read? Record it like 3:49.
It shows 9:34
